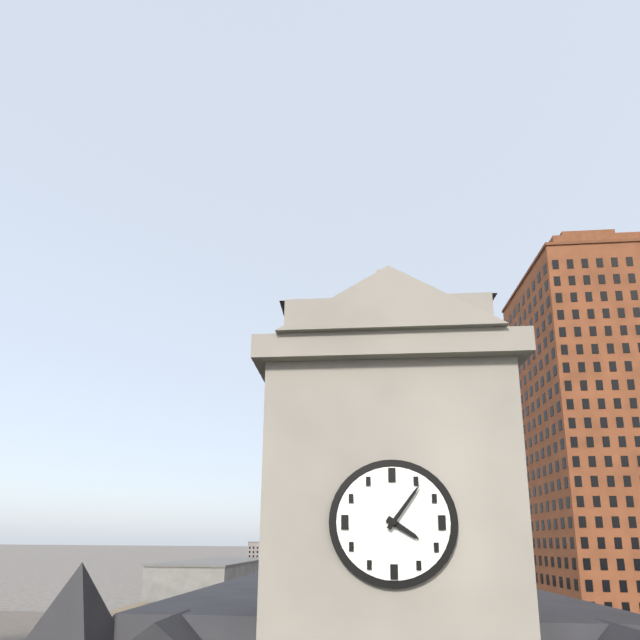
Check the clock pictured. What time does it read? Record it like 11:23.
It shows 4:06
